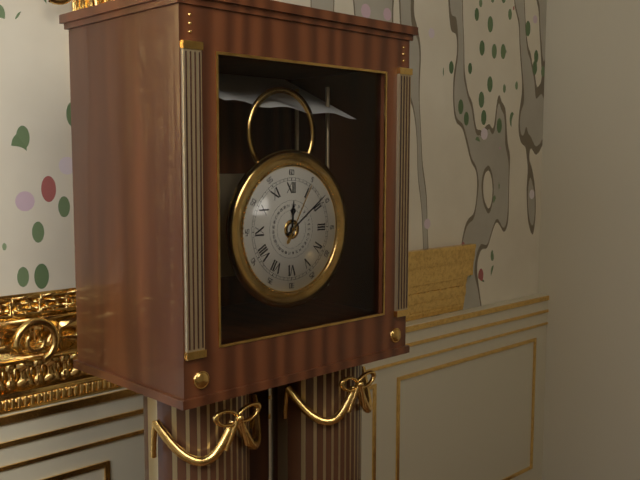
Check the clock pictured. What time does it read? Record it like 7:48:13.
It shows 12:09:05
